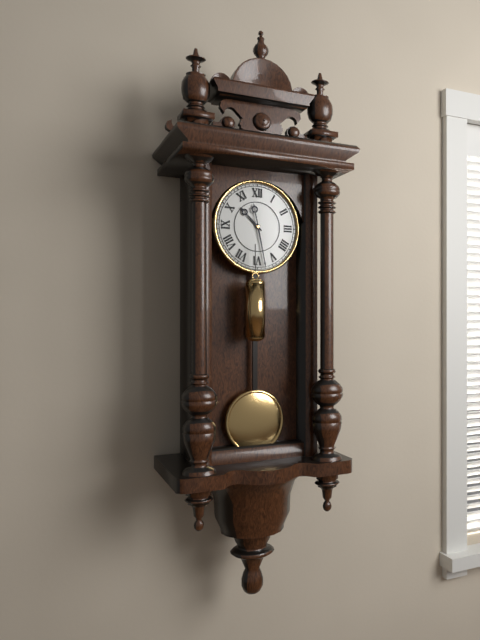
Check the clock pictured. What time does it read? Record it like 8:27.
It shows 10:28
